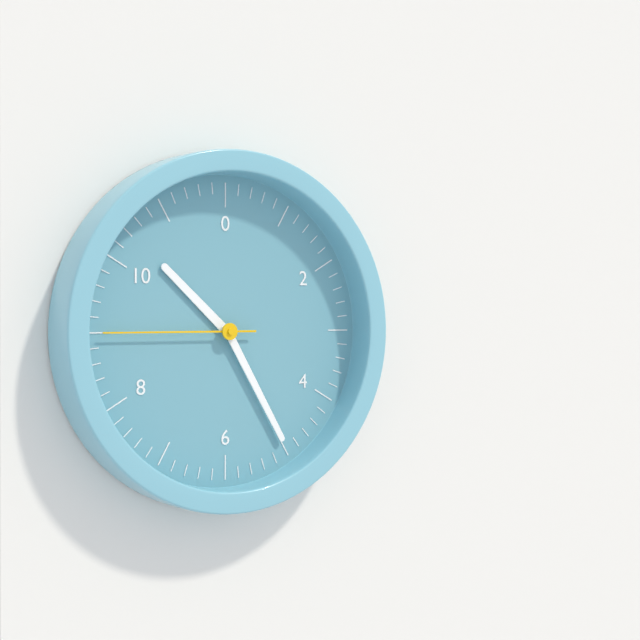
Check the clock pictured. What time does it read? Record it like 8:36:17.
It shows 10:25:45
